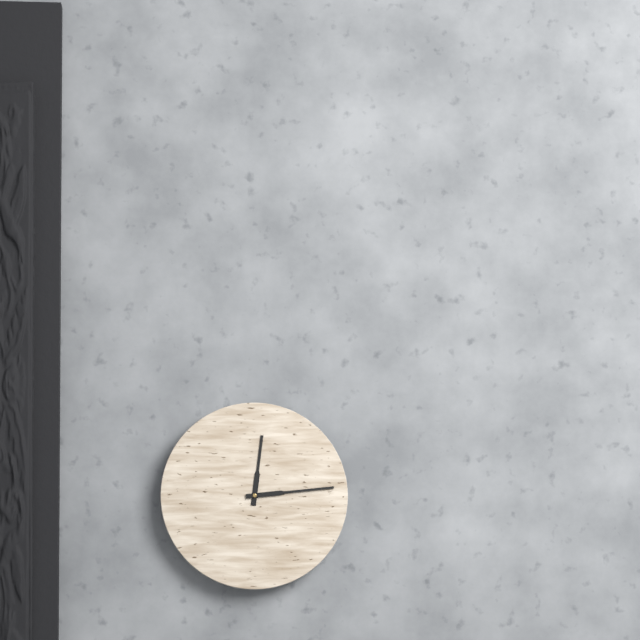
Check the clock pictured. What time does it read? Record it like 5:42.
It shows 12:14
